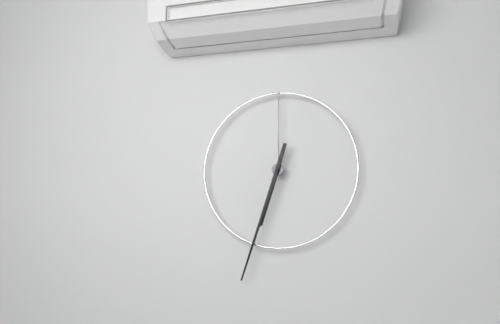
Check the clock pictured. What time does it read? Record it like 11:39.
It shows 6:33
